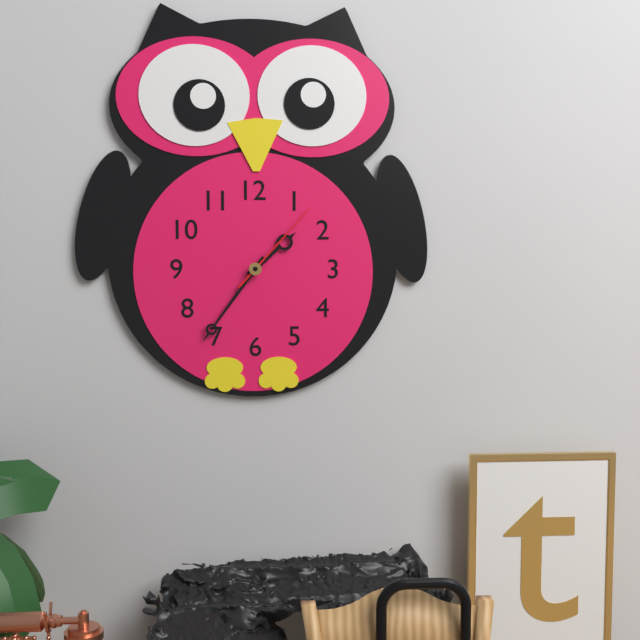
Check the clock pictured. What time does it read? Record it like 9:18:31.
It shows 1:36:07
